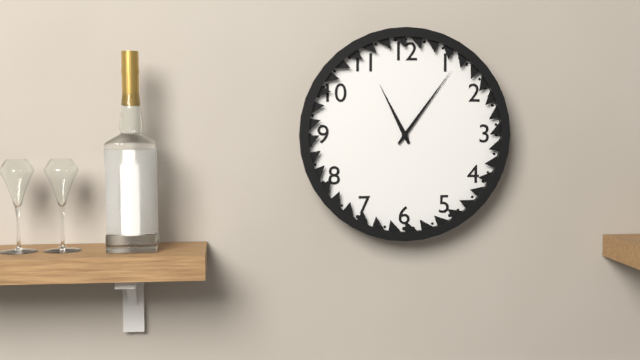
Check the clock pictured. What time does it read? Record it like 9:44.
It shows 11:06
